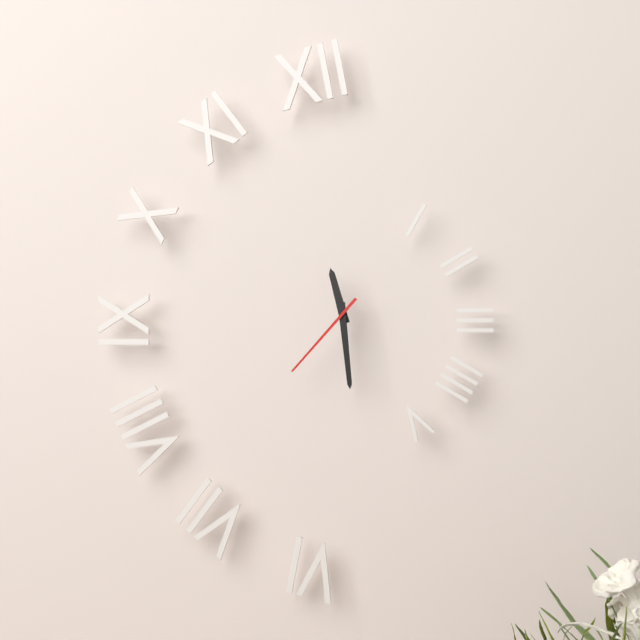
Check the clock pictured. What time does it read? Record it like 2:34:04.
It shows 11:29:37
